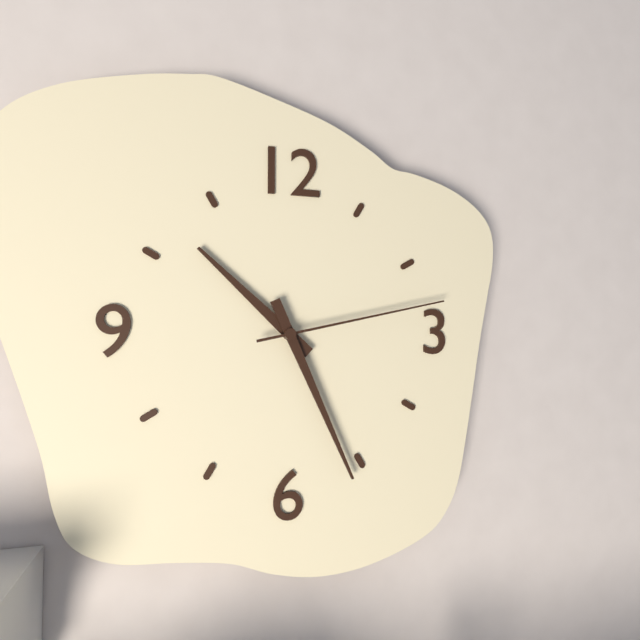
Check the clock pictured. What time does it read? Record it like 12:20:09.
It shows 10:26:13
